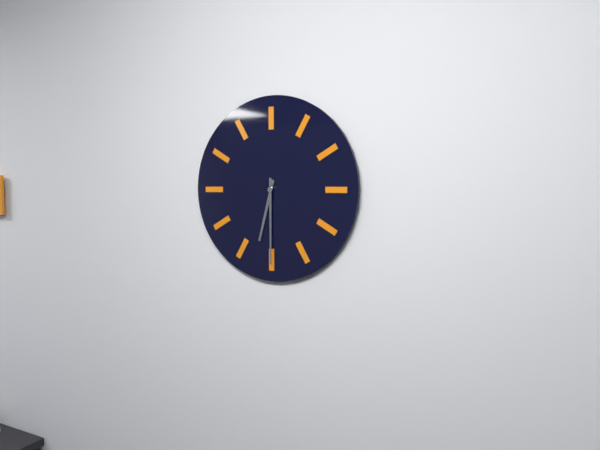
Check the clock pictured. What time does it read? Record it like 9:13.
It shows 6:30
